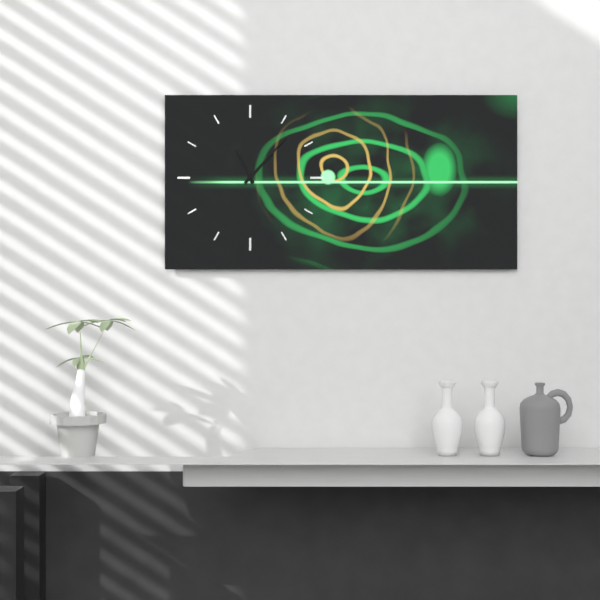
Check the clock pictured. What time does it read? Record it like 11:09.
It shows 11:07
